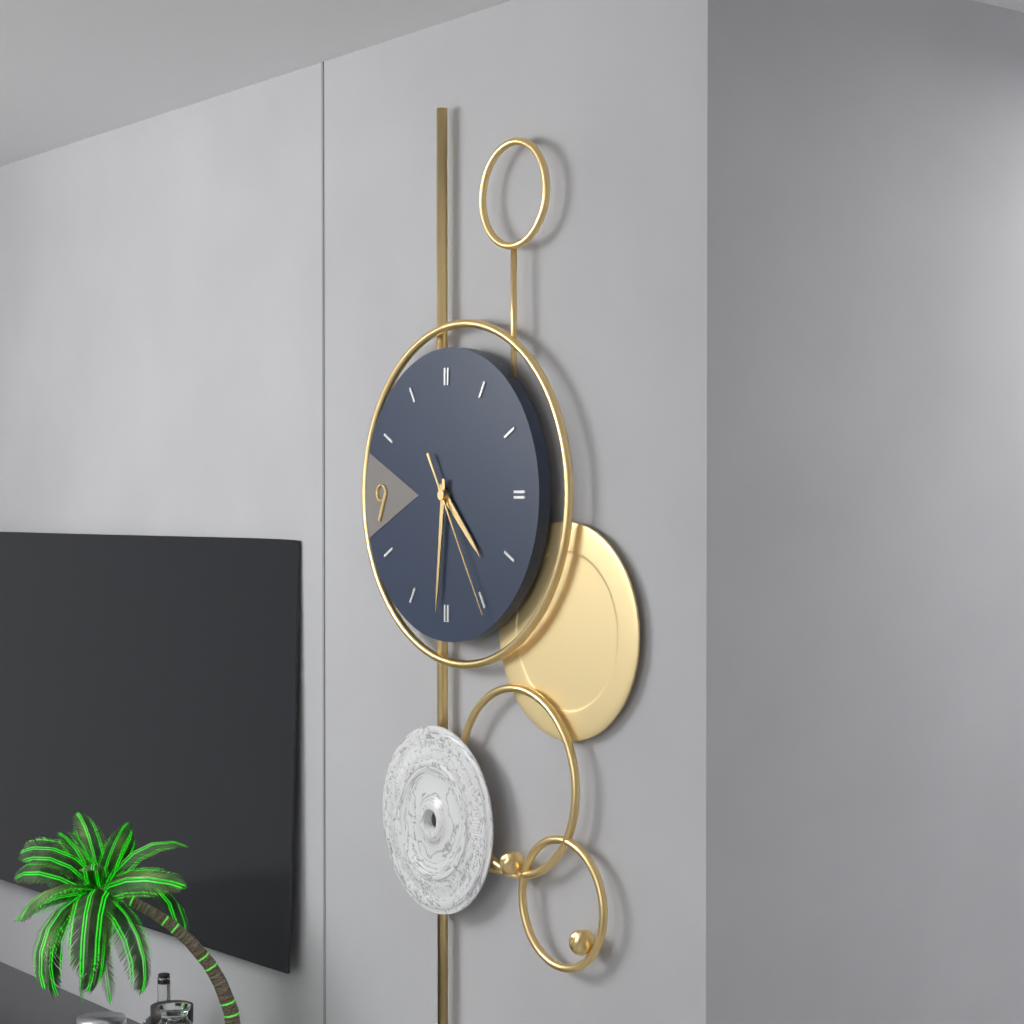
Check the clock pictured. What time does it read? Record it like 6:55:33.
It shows 4:31:25
